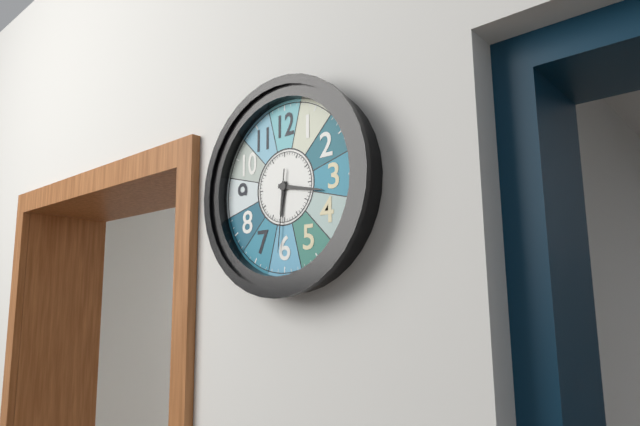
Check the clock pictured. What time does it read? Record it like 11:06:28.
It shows 6:17:31
